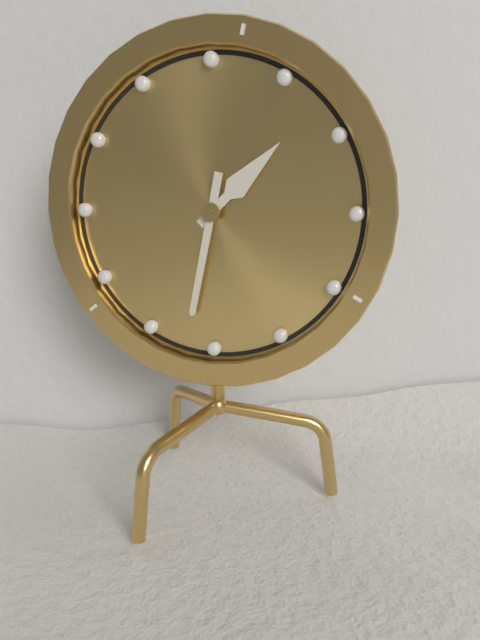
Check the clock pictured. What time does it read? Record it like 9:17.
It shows 1:32
